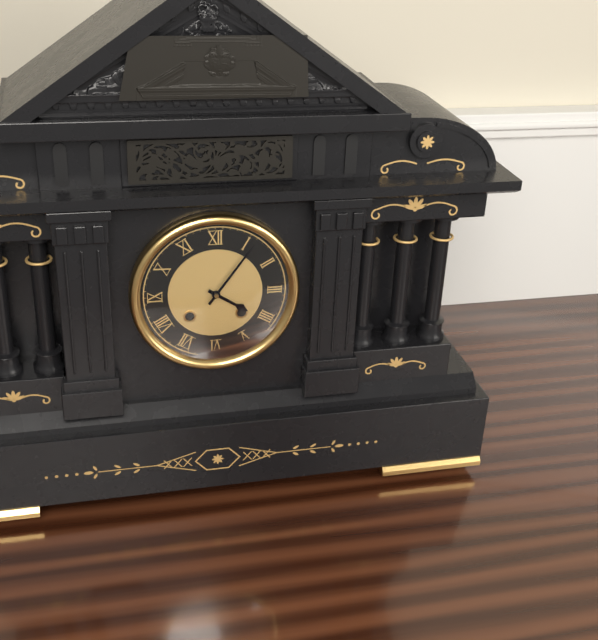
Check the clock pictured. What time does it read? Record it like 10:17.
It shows 4:06
